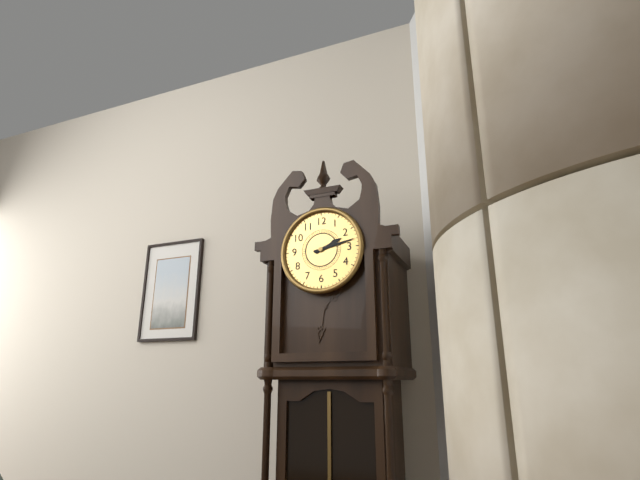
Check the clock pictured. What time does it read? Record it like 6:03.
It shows 2:13
